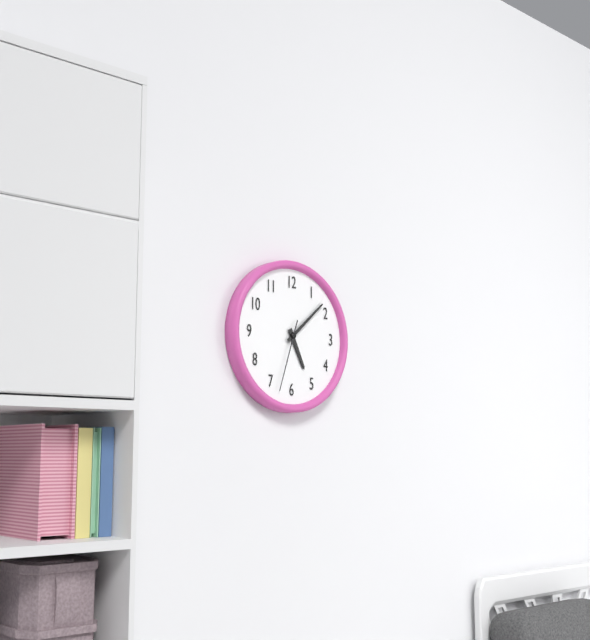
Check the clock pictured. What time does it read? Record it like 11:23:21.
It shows 5:08:33
